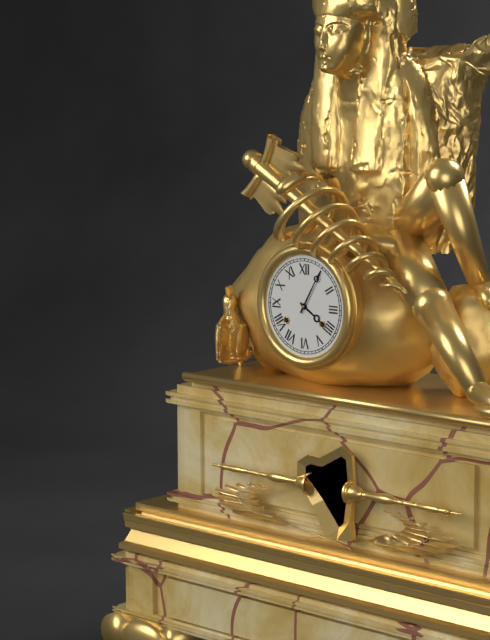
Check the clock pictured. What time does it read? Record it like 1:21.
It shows 4:05
